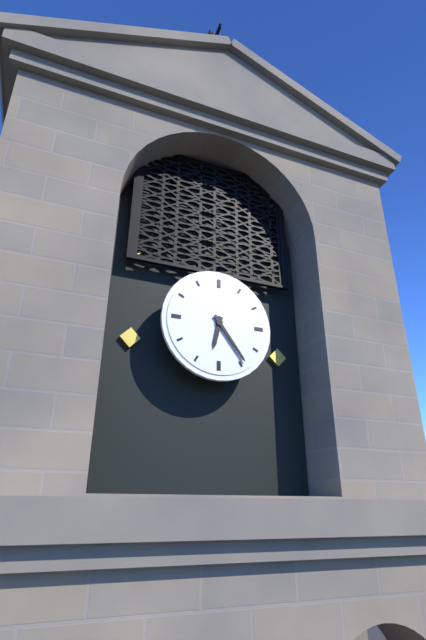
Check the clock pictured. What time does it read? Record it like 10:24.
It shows 6:24
